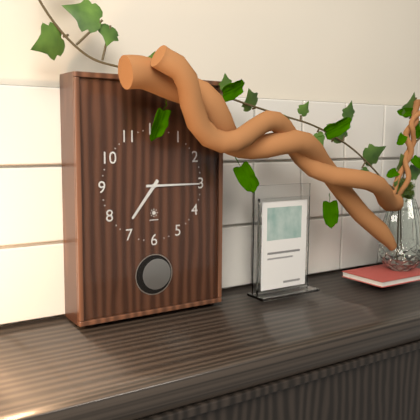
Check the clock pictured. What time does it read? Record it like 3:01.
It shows 7:15
